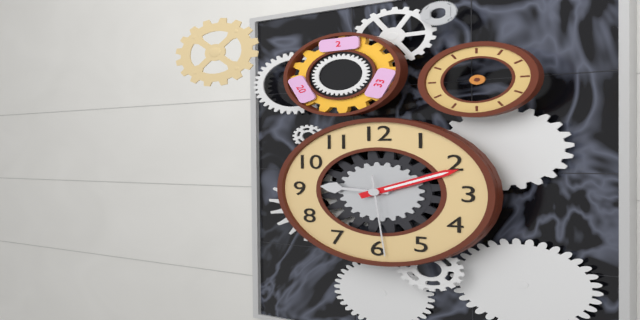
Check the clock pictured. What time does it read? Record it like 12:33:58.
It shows 9:11:29
